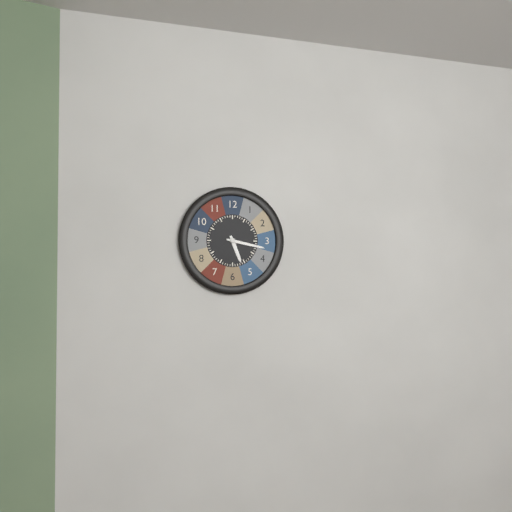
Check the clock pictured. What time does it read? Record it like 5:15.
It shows 5:17
